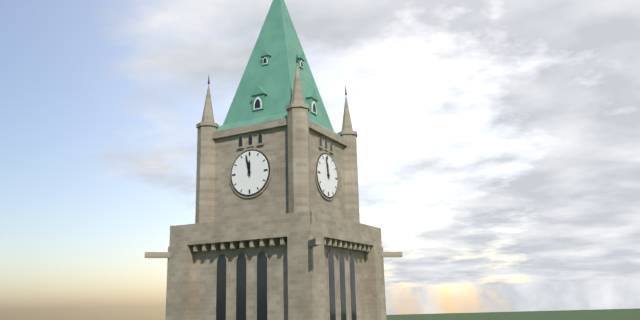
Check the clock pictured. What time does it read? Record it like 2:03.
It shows 11:58
